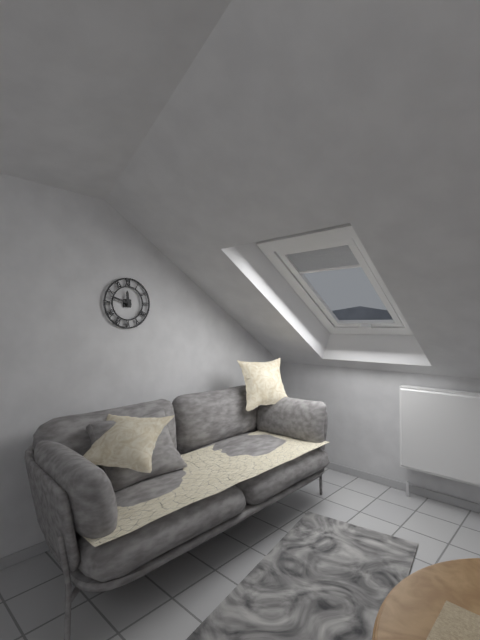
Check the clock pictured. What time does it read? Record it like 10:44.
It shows 11:48
